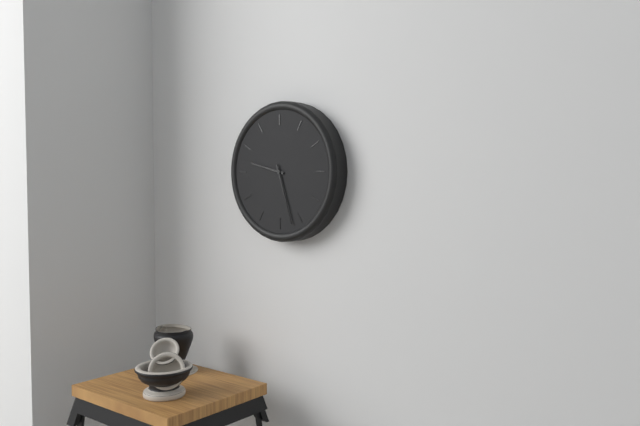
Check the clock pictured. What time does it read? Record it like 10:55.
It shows 9:27
